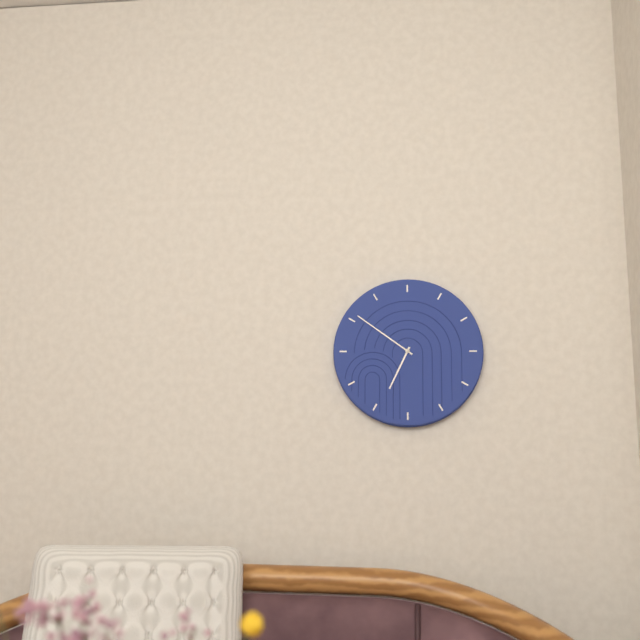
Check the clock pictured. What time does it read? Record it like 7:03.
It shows 6:51
